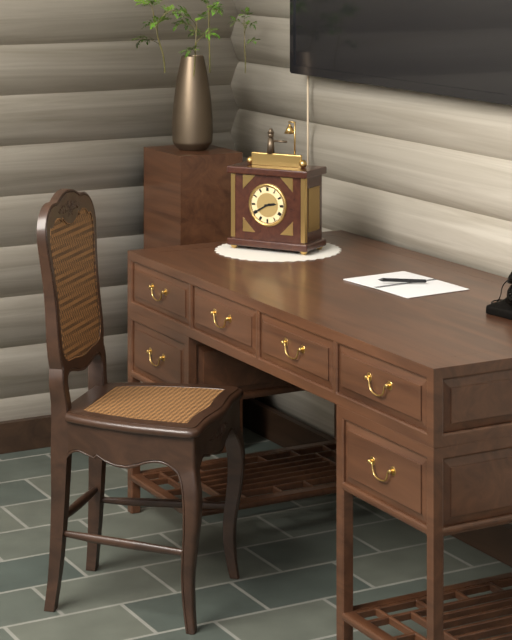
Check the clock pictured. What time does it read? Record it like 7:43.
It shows 2:40
